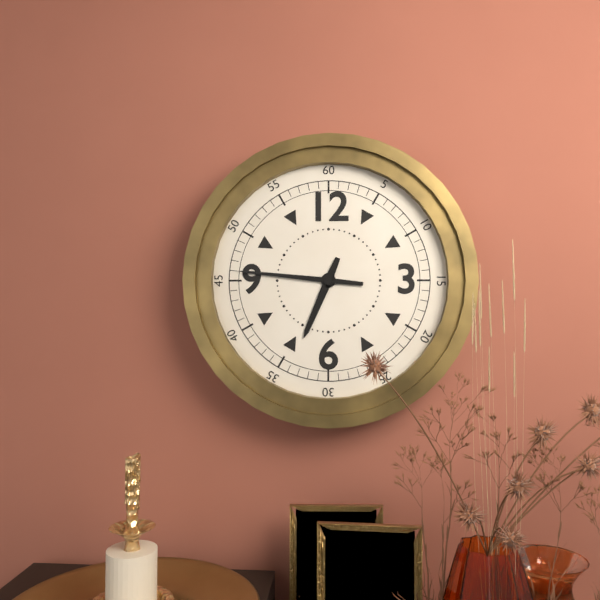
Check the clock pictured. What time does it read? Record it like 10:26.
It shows 6:46
